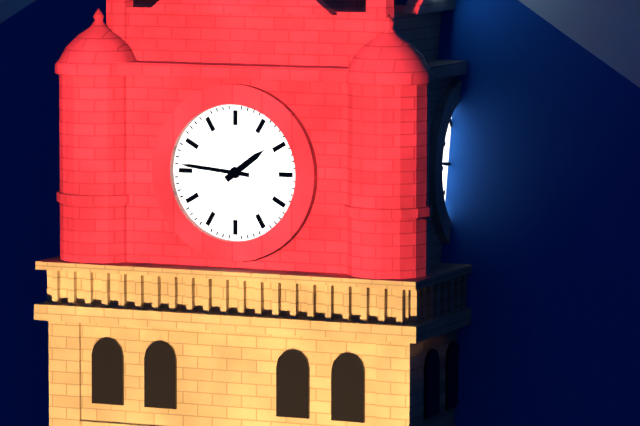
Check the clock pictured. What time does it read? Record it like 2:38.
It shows 1:46
